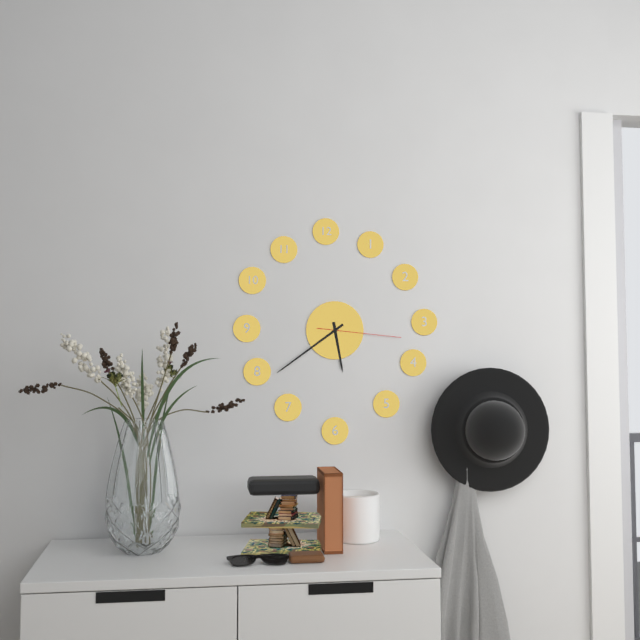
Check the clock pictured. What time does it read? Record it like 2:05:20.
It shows 5:39:16
